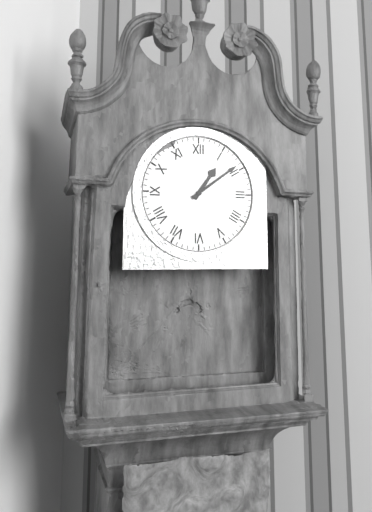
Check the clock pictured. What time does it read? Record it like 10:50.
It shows 1:09
